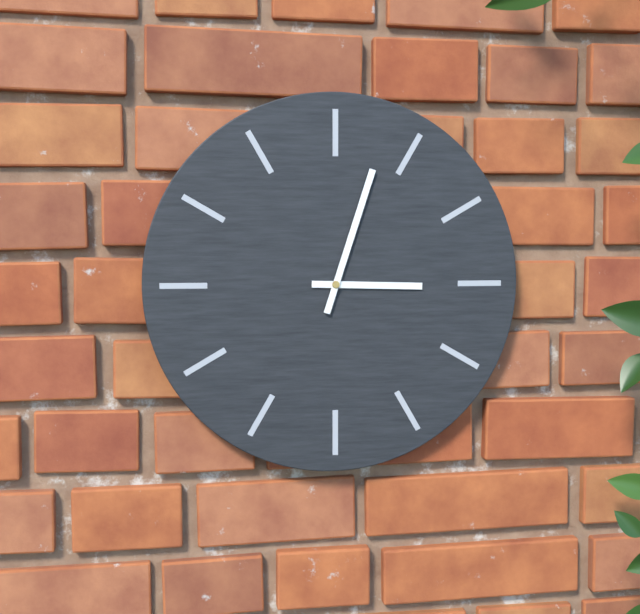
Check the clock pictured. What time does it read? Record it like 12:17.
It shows 3:03
